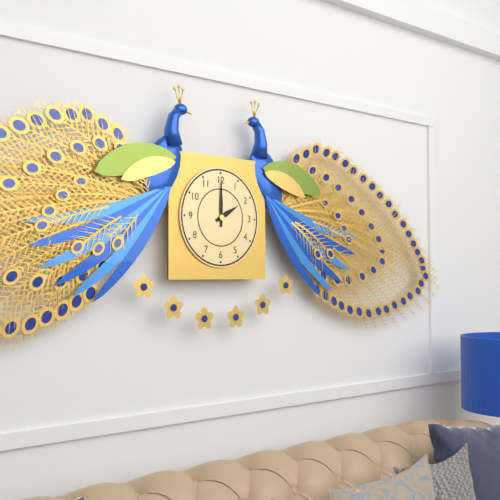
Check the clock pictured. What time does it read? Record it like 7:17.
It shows 2:00
